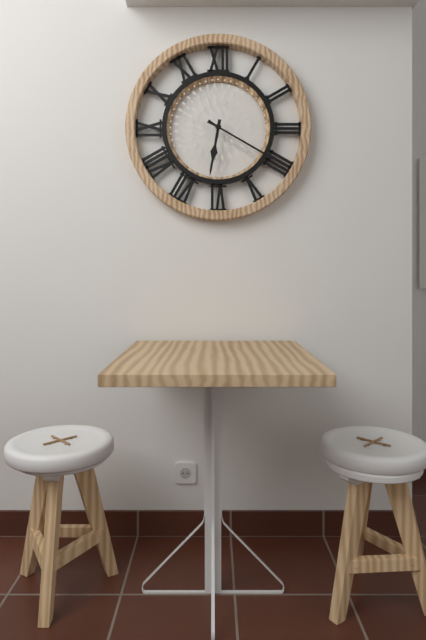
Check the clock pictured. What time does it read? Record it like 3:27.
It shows 6:20
